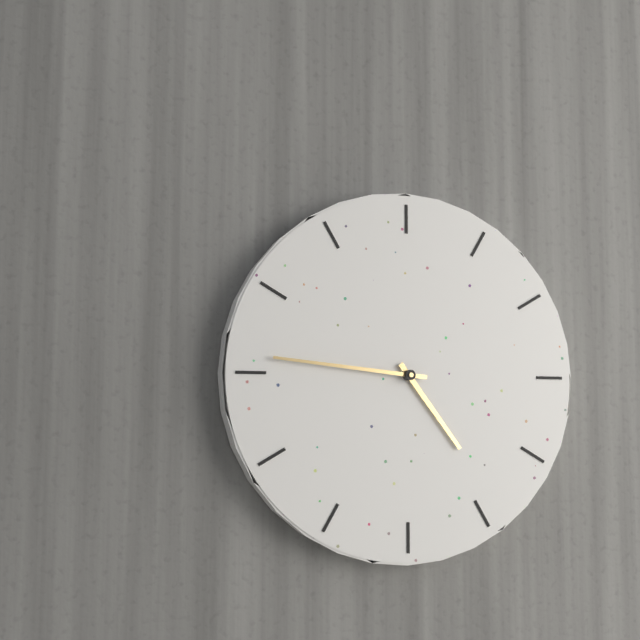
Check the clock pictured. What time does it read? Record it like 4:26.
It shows 4:46
